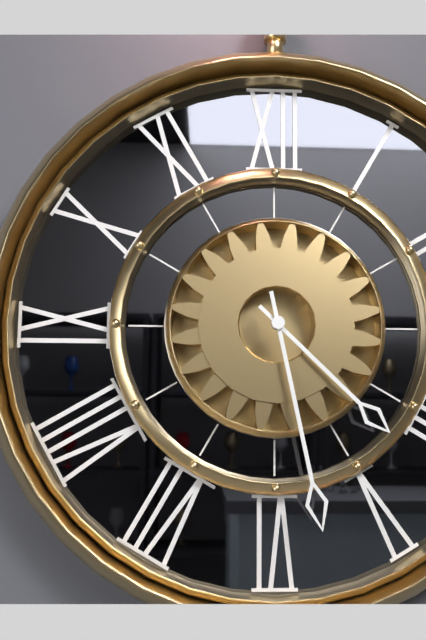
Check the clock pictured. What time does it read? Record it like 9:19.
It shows 4:28
